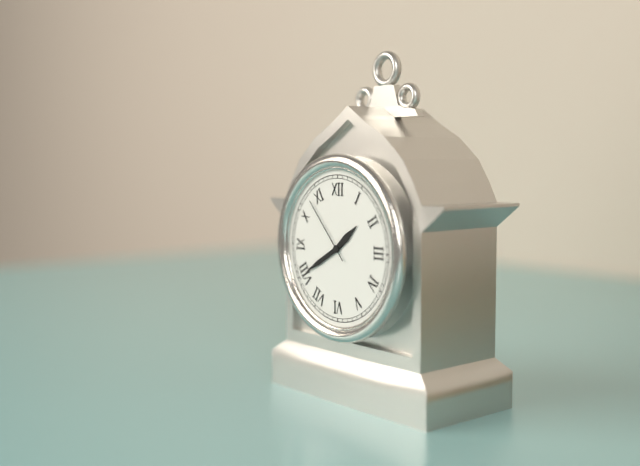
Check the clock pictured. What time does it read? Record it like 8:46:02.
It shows 1:40:53
